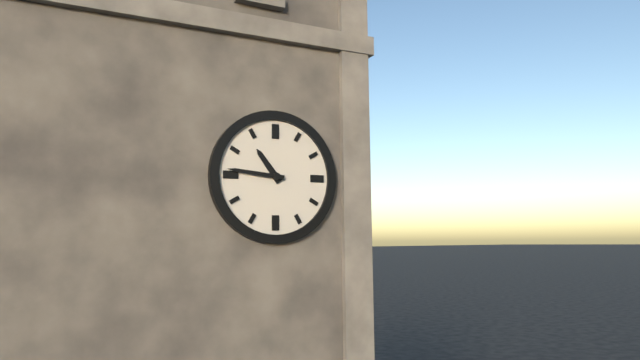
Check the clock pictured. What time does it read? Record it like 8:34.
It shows 10:46
